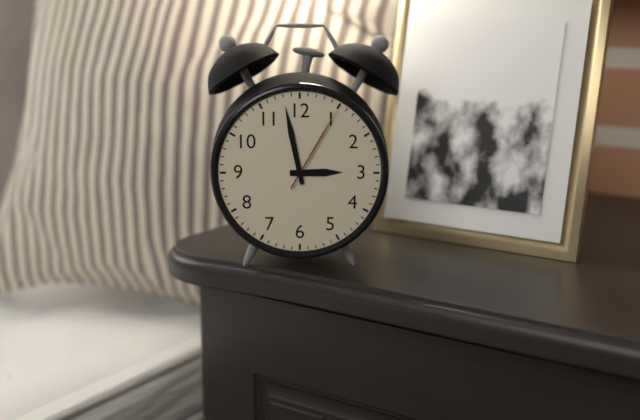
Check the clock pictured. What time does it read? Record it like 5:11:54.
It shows 2:58:05
